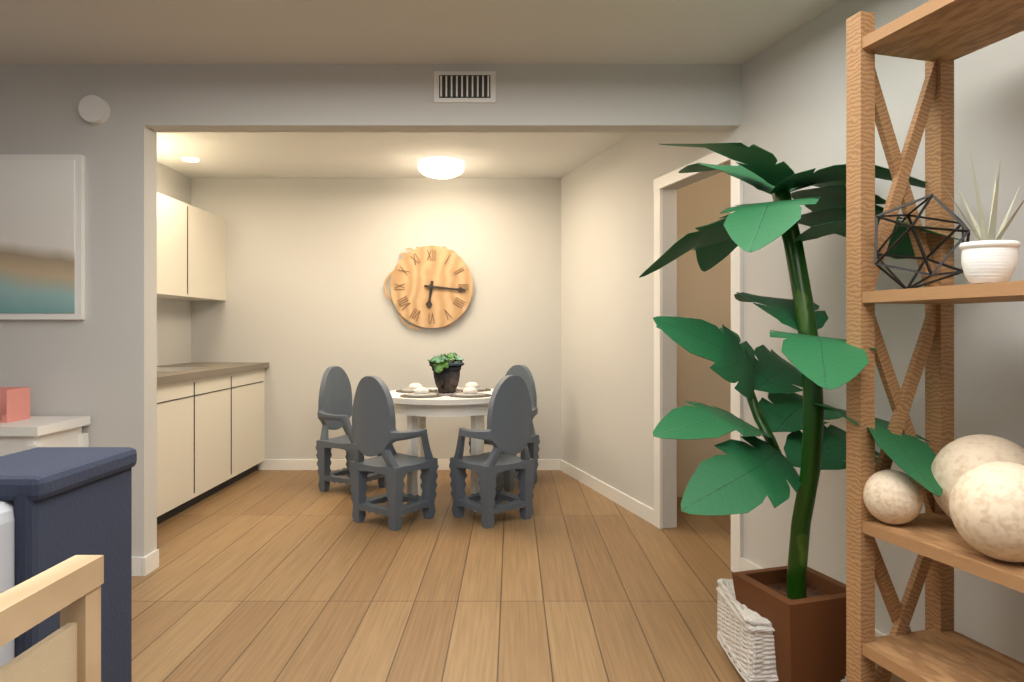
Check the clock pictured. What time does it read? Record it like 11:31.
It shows 6:16
